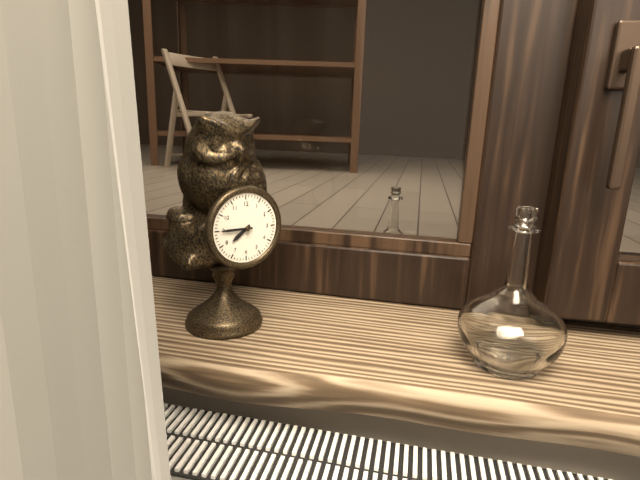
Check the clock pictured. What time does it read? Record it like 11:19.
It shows 7:45
